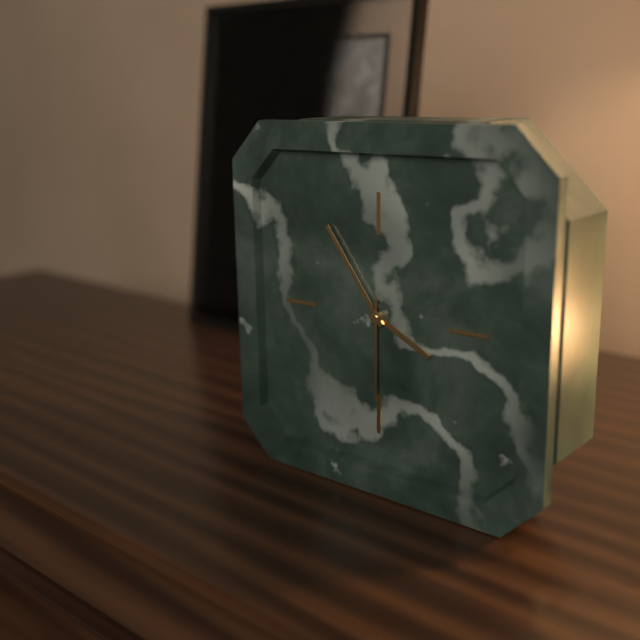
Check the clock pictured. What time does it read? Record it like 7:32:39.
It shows 3:54:30
